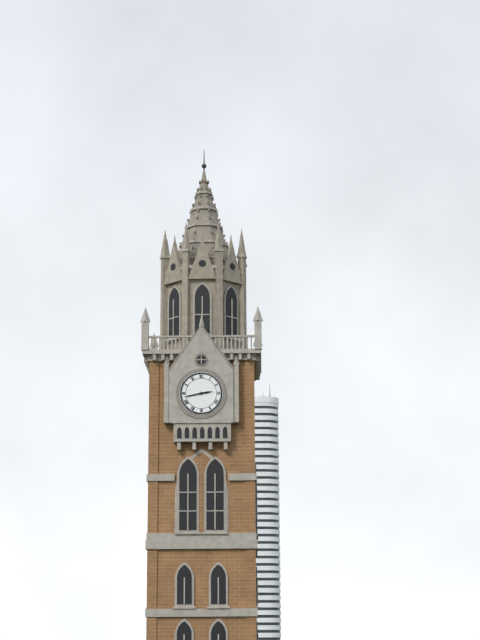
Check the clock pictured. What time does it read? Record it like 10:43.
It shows 2:43
